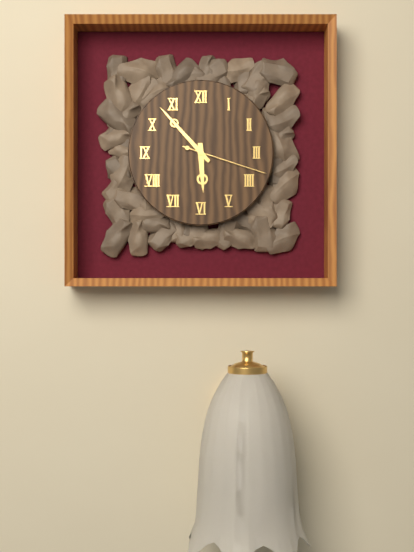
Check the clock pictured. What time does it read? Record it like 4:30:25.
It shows 5:53:18
